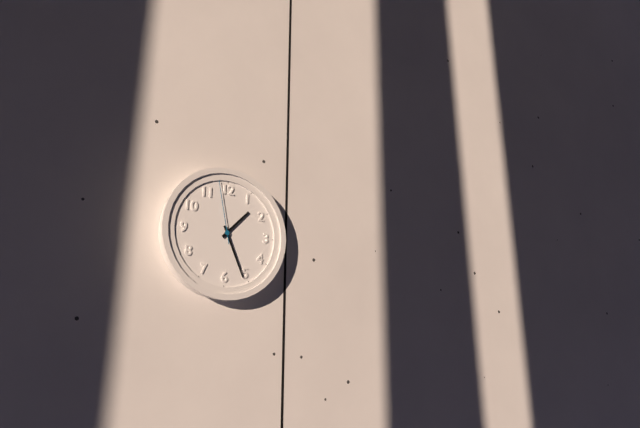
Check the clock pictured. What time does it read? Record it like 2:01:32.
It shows 1:26:58
